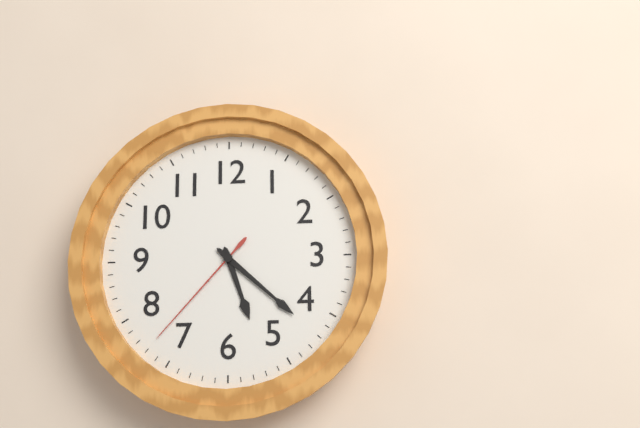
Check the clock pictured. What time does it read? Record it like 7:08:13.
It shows 5:22:37
